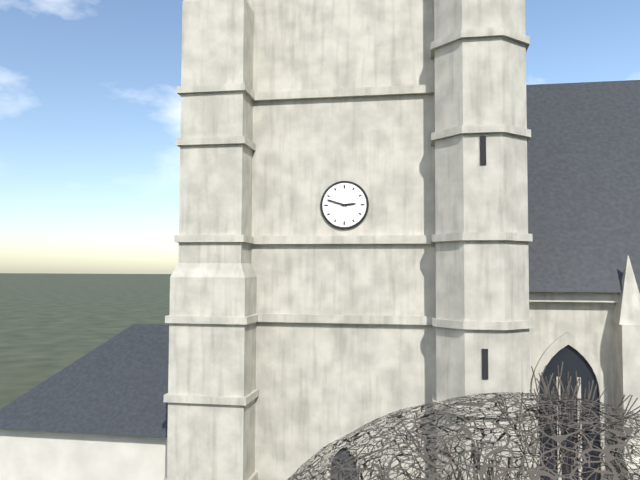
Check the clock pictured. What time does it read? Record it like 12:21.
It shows 2:48
